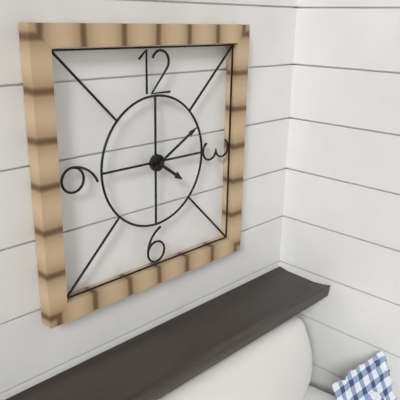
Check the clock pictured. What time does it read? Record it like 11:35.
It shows 4:10
